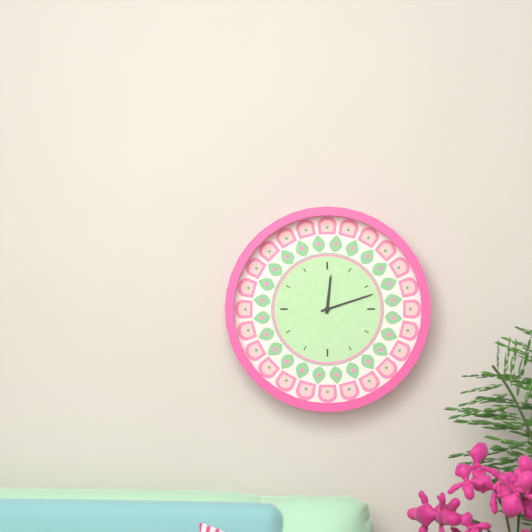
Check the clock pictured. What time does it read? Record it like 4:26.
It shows 12:12
